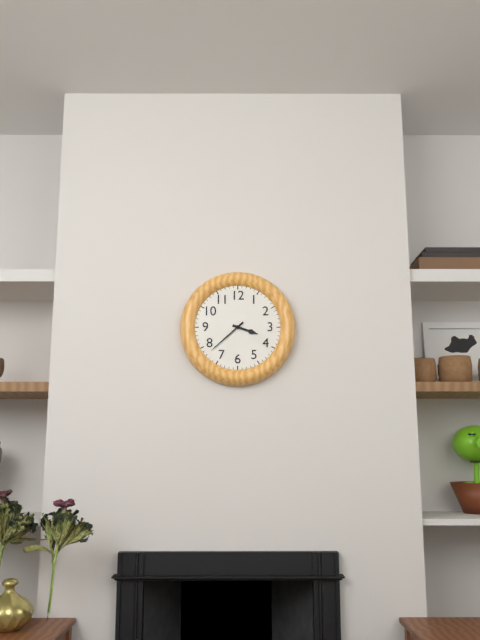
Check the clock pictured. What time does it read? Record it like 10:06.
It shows 3:38
